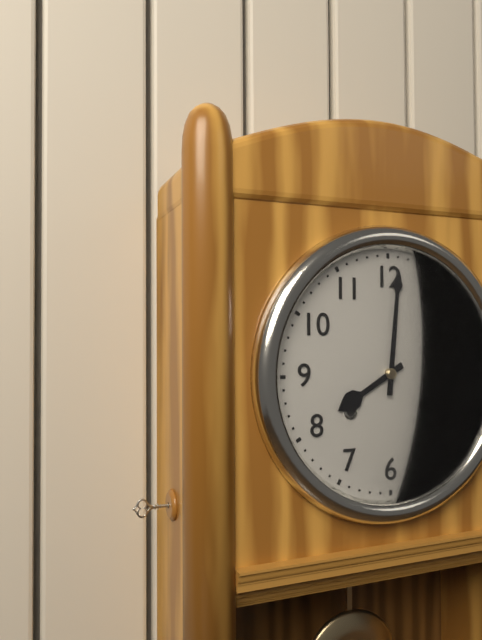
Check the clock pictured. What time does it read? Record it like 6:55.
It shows 8:01
